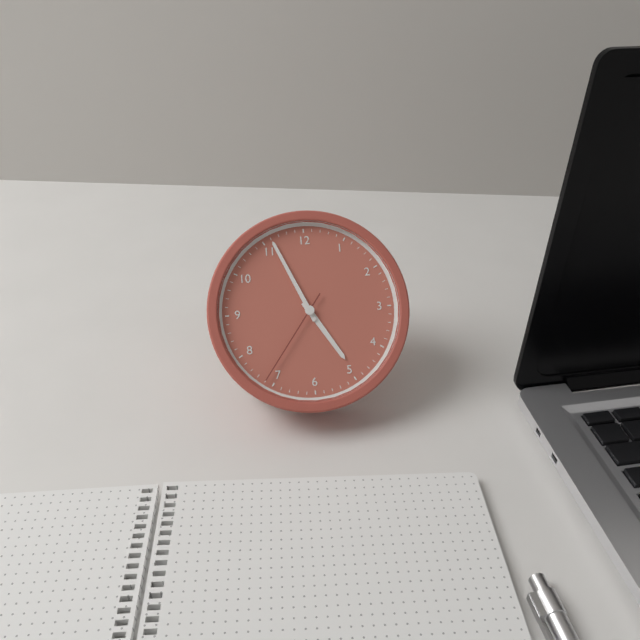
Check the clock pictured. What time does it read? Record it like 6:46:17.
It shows 4:56:36
